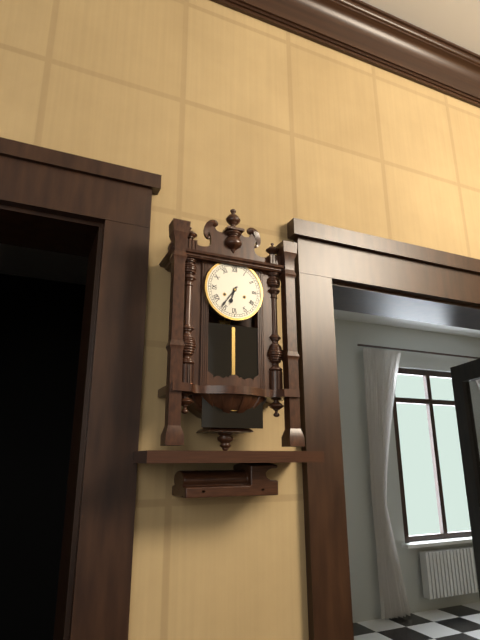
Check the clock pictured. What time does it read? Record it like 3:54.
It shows 6:36
